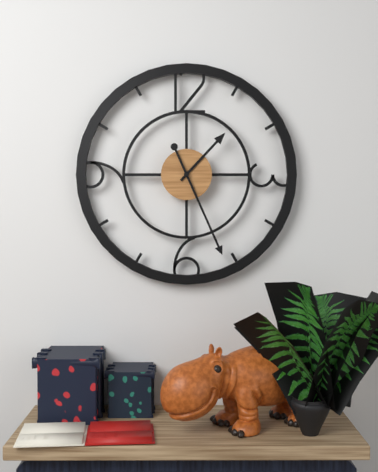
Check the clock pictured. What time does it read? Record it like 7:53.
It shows 1:26
